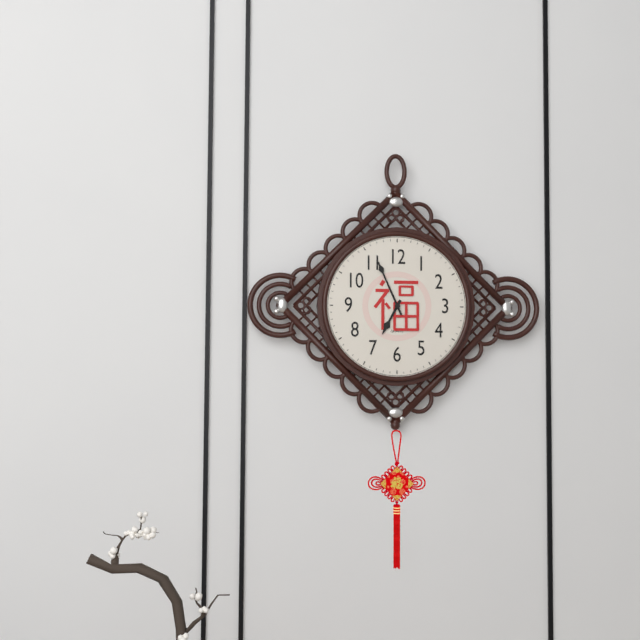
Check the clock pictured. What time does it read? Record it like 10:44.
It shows 6:56
